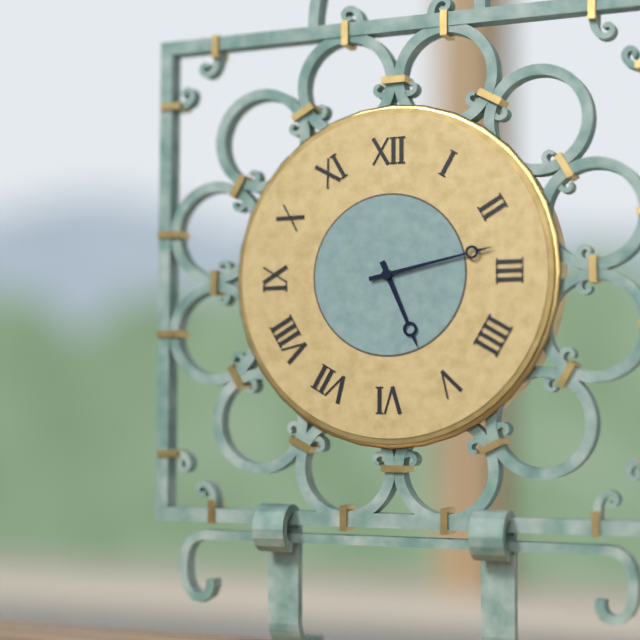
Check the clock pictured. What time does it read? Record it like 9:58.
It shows 5:13
